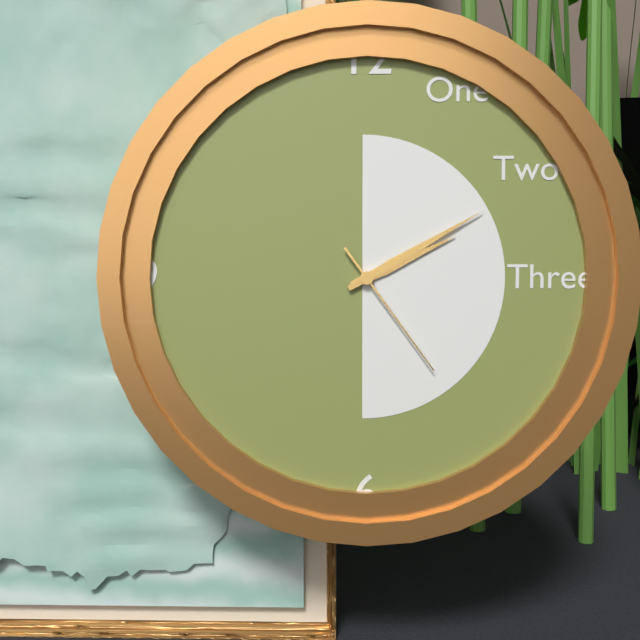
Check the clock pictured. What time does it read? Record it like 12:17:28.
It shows 2:10:24
